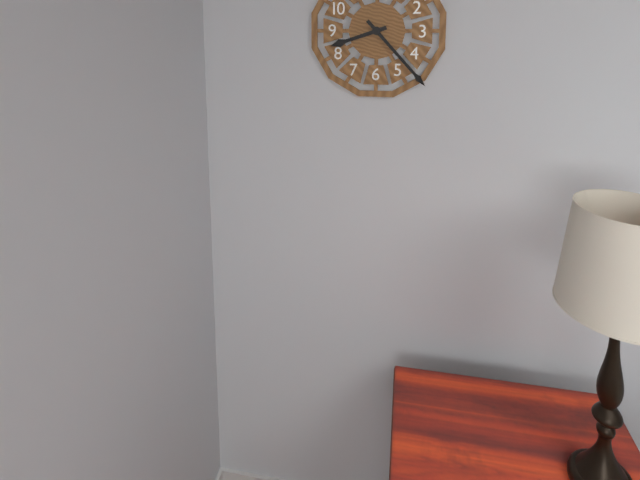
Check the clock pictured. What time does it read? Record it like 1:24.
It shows 8:23
